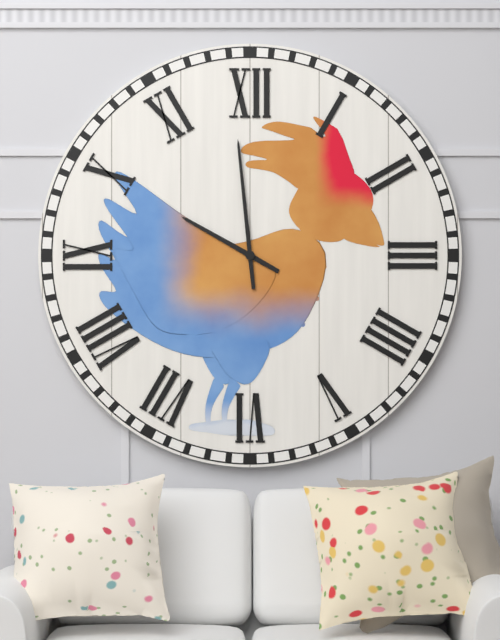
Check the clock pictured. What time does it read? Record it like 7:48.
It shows 9:59
